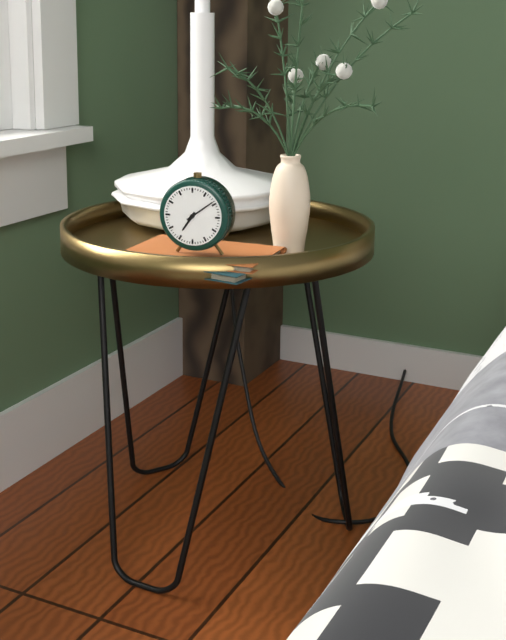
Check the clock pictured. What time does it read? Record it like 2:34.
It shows 7:09
